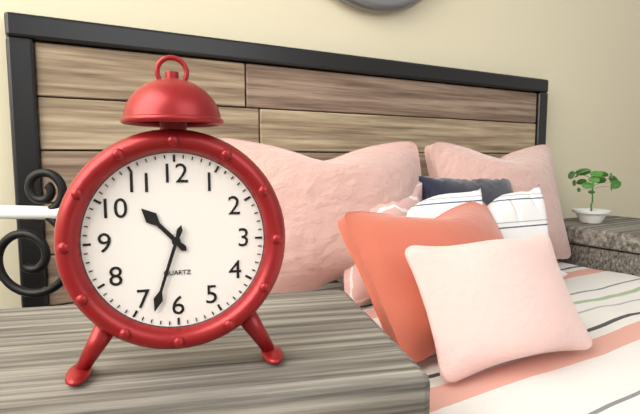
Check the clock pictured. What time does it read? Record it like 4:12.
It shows 10:33
